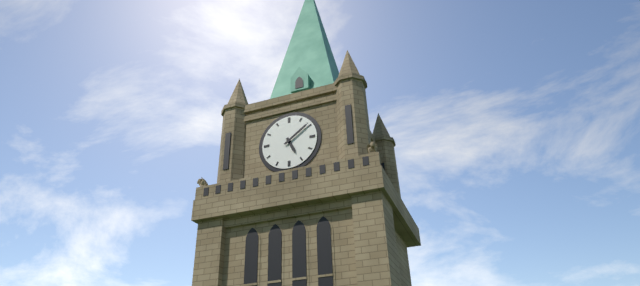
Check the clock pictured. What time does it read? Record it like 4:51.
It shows 5:09
